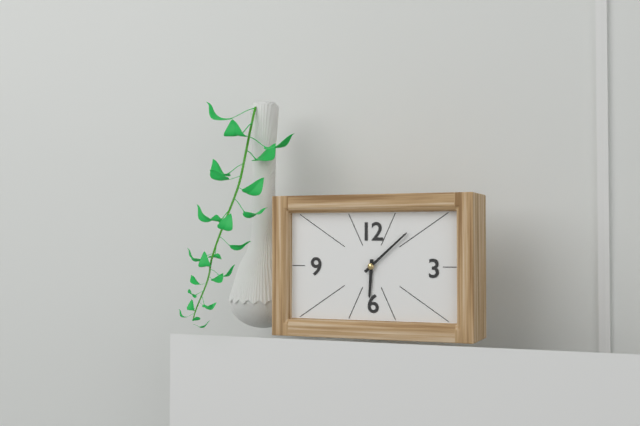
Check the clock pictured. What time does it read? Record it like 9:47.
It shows 6:08
